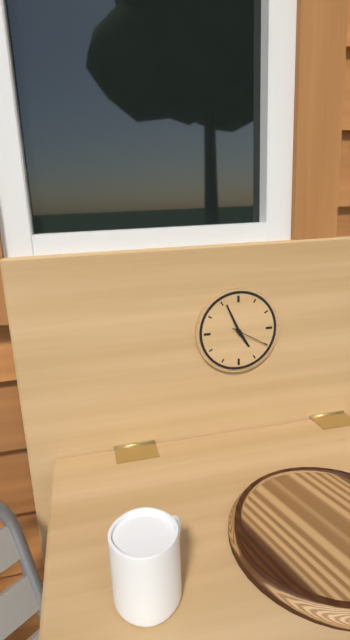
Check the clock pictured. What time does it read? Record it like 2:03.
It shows 4:56
